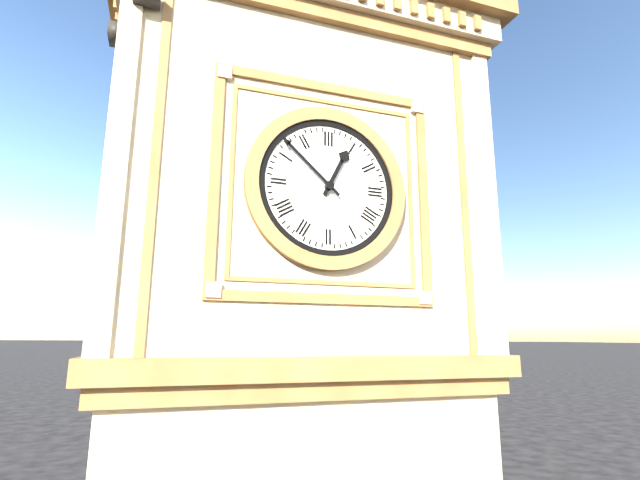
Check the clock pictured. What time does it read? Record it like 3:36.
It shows 12:52
